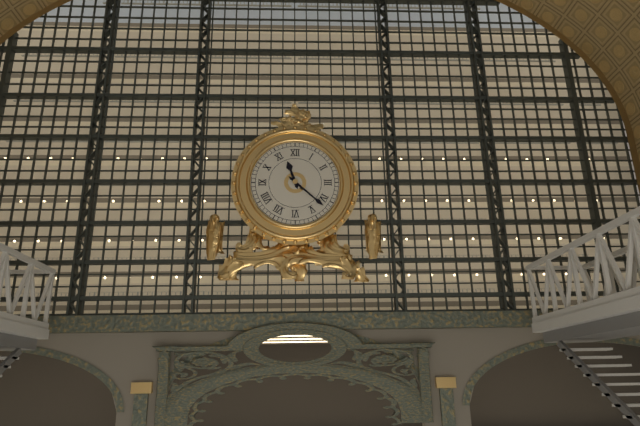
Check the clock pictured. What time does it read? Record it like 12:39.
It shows 11:22
